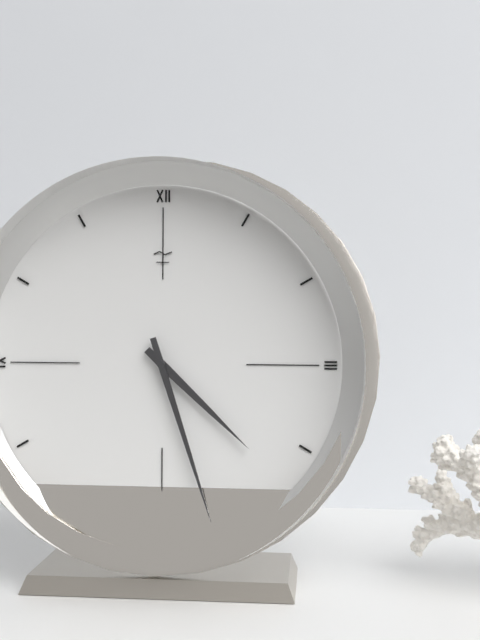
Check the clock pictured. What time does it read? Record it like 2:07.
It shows 4:27
